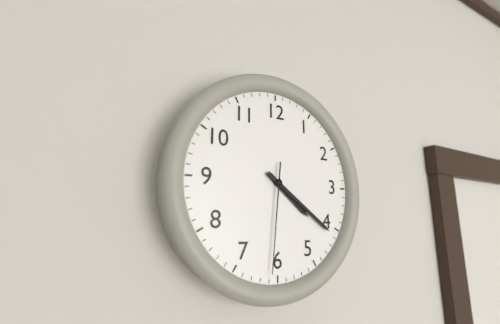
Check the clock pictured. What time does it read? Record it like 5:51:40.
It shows 4:21:31
